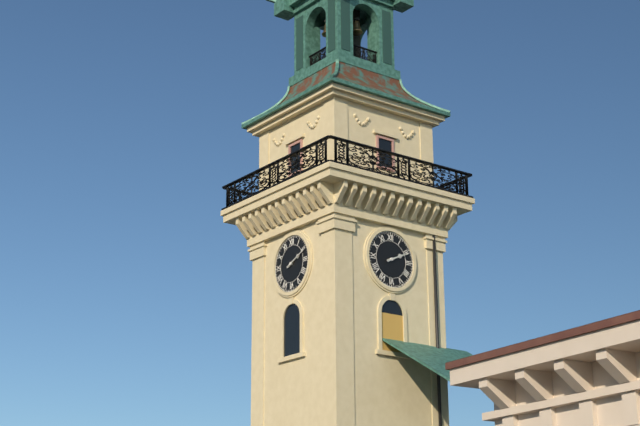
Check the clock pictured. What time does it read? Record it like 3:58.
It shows 2:11
